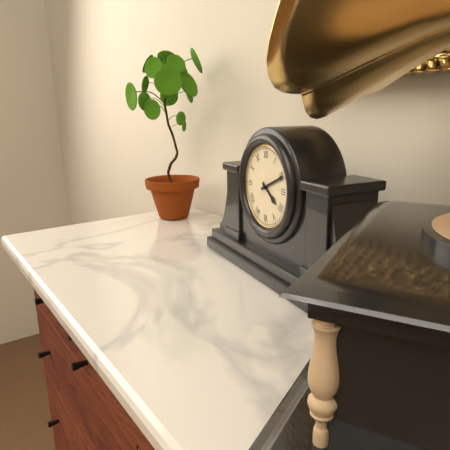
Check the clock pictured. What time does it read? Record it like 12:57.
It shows 4:11
